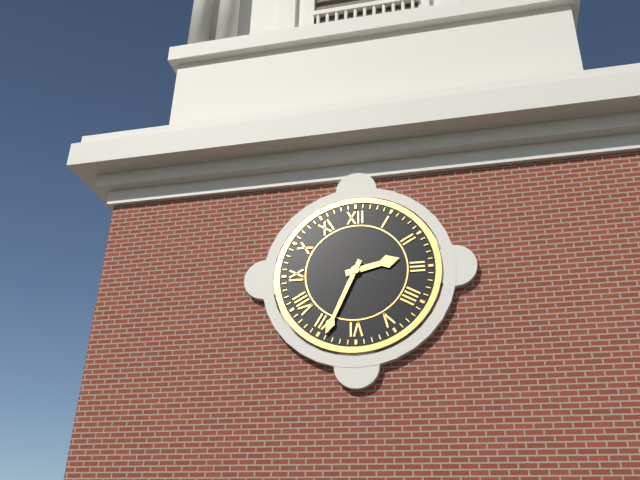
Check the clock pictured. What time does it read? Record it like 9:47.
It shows 2:34
